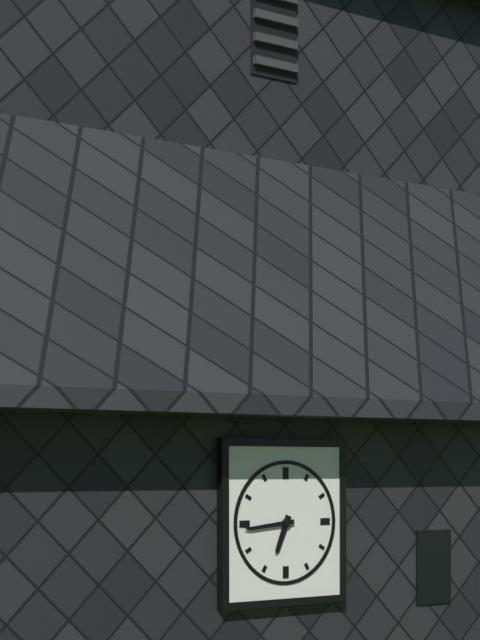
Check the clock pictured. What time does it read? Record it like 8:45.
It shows 6:44
